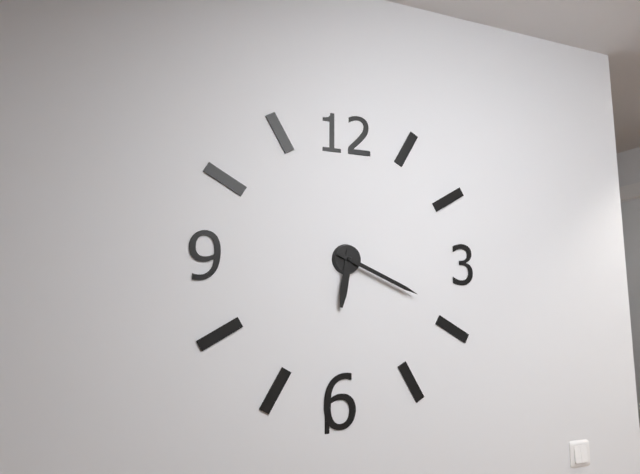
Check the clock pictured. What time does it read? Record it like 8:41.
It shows 6:19
